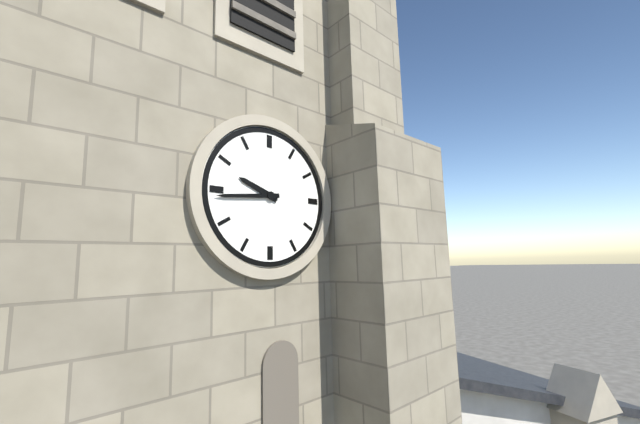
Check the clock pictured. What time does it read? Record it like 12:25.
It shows 9:44
